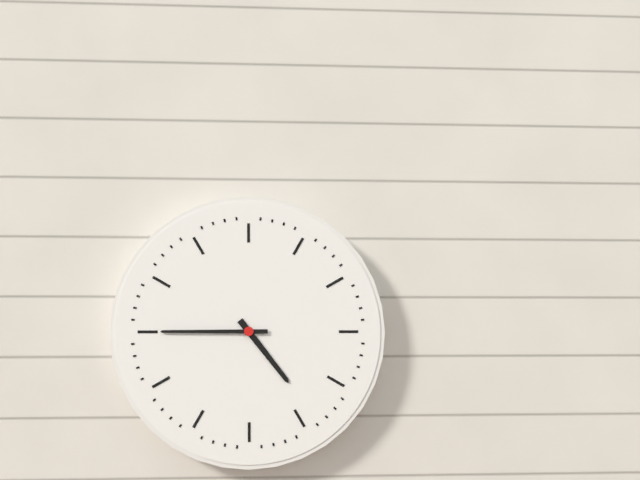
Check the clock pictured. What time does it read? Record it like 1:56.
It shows 4:45
